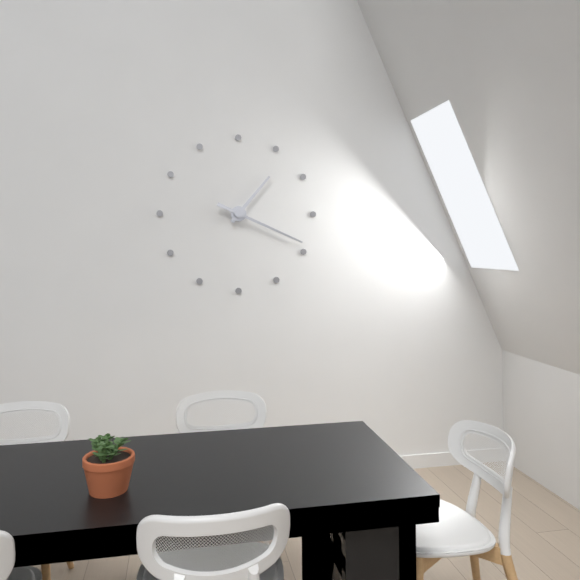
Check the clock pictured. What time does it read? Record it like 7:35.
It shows 1:19
